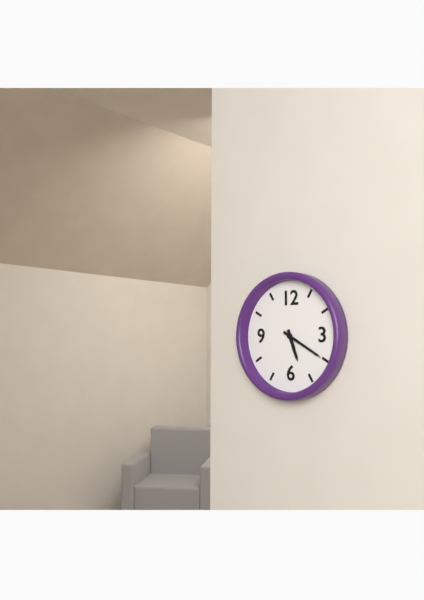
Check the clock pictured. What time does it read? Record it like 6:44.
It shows 5:20
